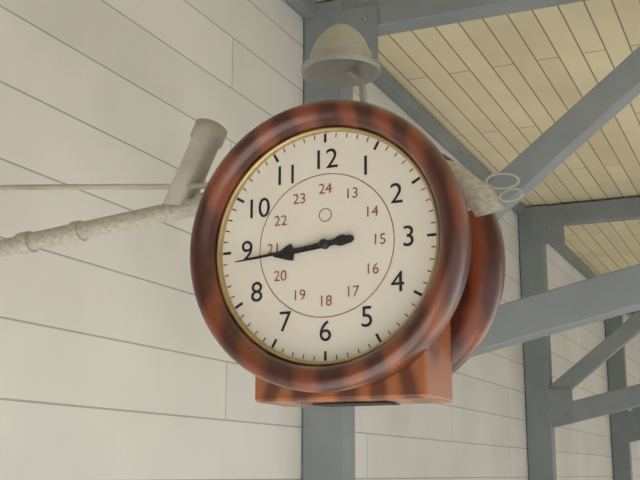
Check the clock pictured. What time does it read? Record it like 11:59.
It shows 8:44
